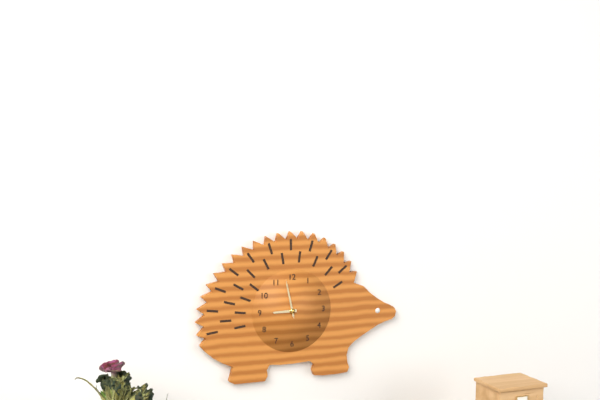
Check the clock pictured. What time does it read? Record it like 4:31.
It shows 8:58
